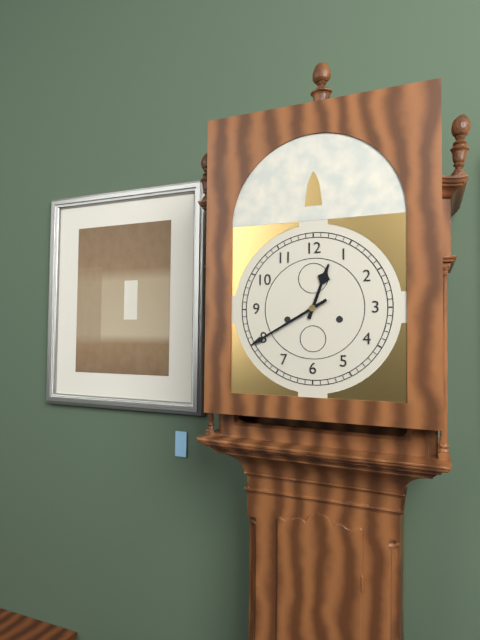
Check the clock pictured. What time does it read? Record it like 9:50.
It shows 12:40
